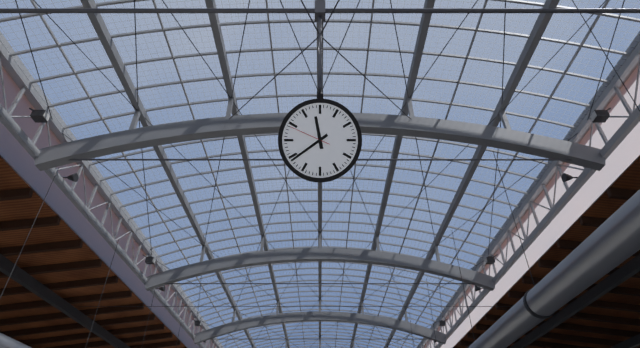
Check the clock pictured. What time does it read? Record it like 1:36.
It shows 11:39
